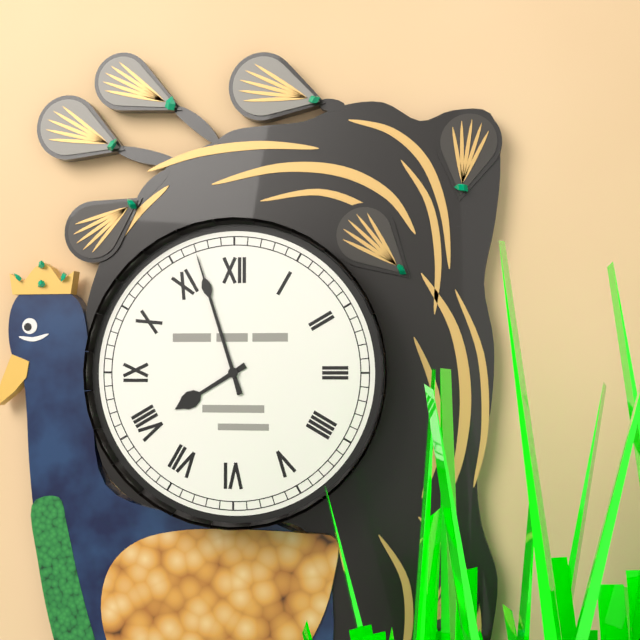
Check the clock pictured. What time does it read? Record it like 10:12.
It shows 7:57
